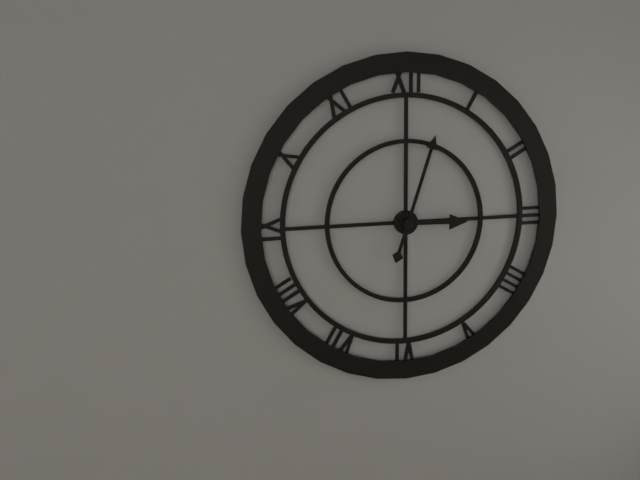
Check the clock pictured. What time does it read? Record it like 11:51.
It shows 3:03
